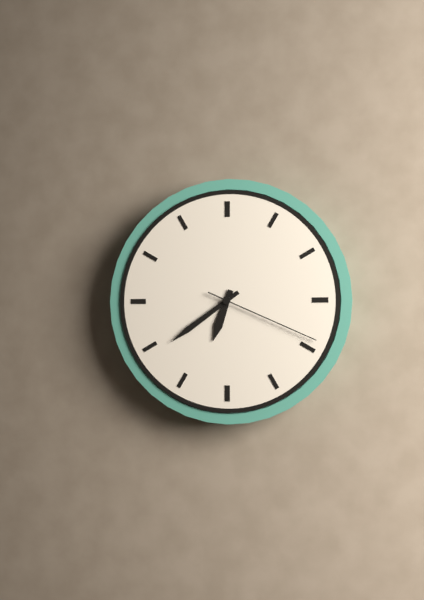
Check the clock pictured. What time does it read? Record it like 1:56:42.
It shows 6:39:19
